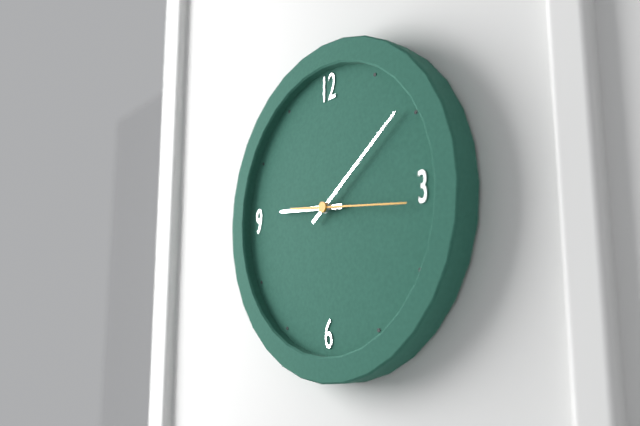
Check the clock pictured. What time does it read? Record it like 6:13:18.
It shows 9:09:16
